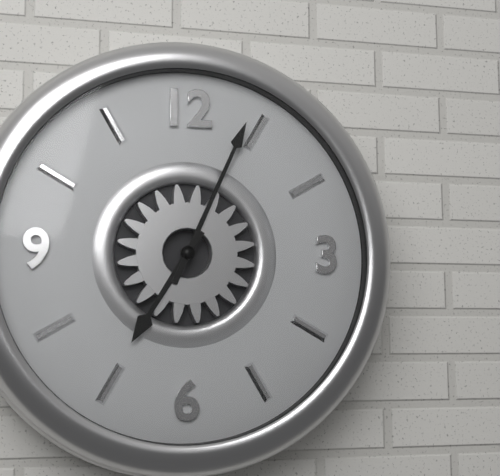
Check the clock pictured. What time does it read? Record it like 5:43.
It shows 7:04
